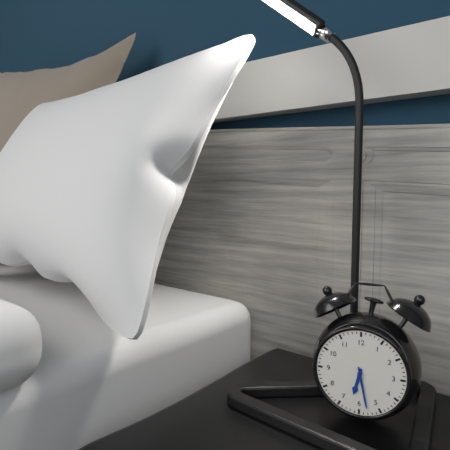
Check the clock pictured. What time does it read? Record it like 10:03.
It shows 6:28
